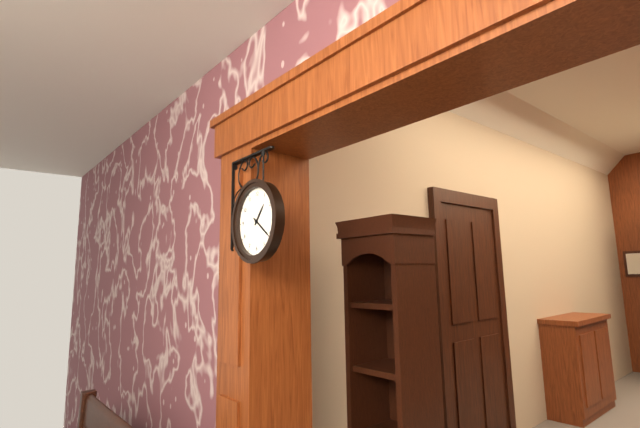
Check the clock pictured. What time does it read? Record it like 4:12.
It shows 1:21
